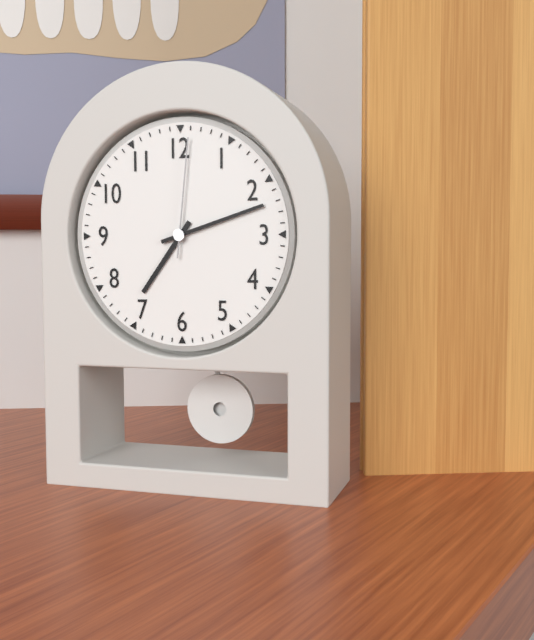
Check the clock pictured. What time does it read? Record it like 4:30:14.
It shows 7:12:01
